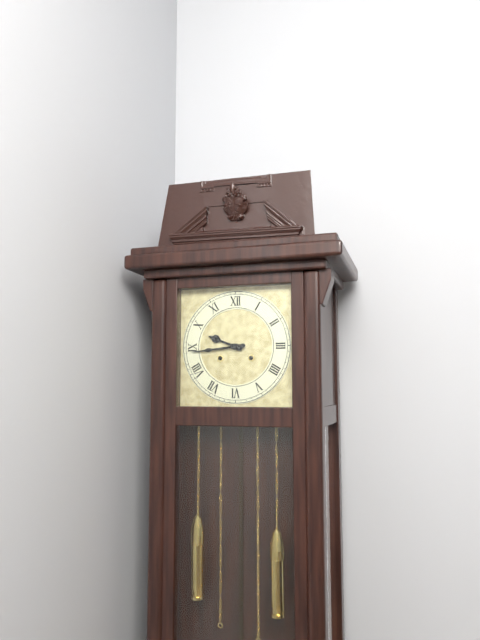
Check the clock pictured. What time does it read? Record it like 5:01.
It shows 9:44
